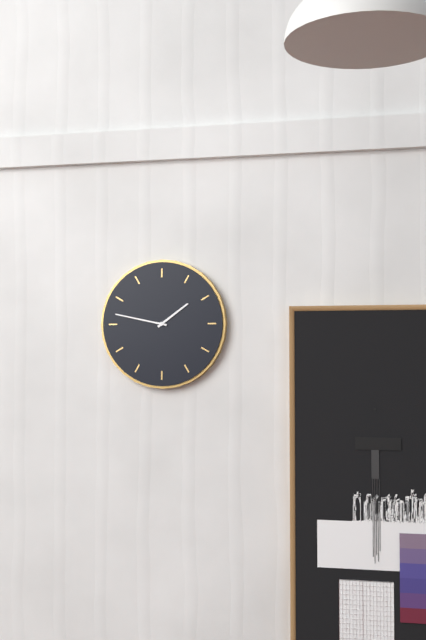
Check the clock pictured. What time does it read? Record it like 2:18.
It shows 1:47
